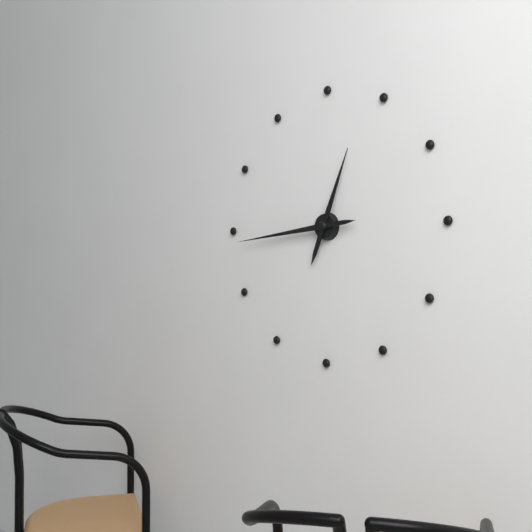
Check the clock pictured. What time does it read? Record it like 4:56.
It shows 12:44
